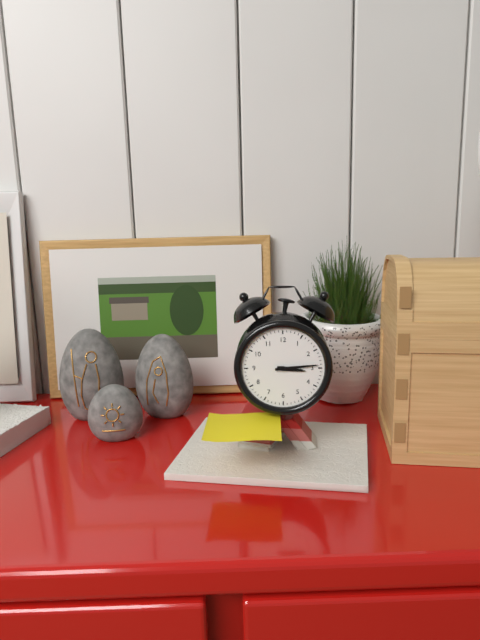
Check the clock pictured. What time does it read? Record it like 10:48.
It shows 3:14
